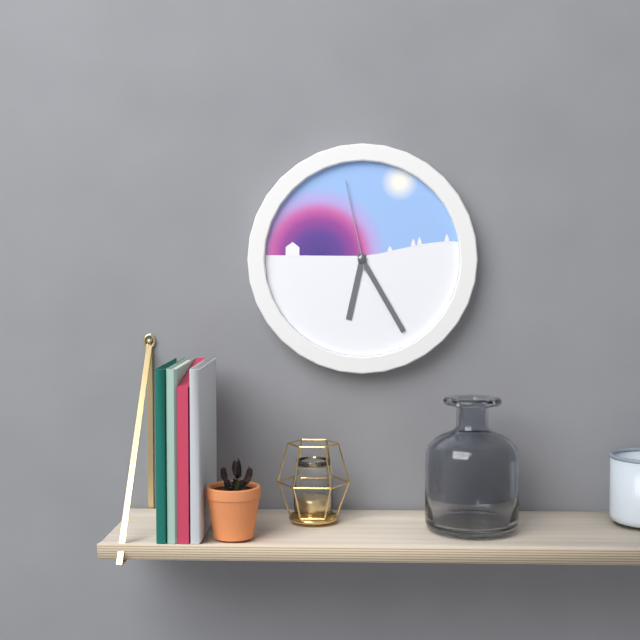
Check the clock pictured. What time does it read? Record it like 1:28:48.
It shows 6:25:58
